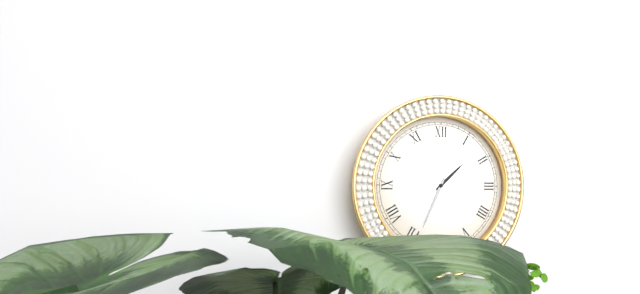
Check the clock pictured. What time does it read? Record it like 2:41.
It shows 1:34
